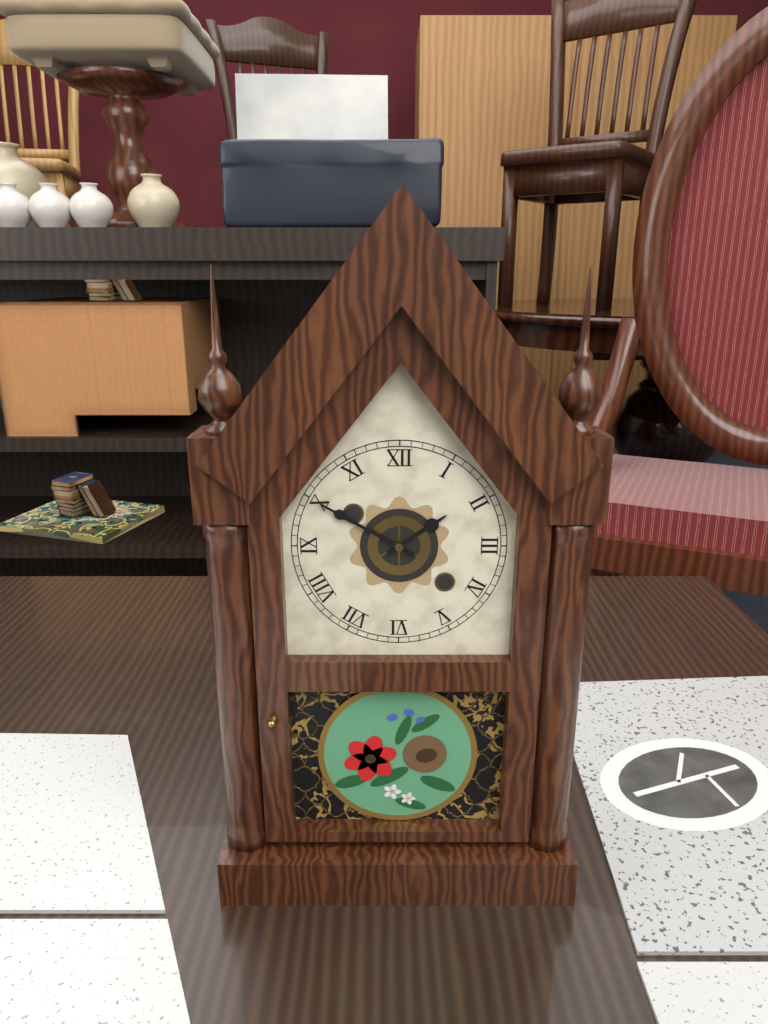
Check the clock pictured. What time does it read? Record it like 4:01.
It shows 1:50
